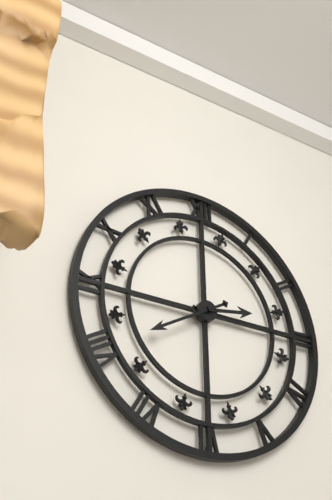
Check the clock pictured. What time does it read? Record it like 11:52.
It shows 2:40
